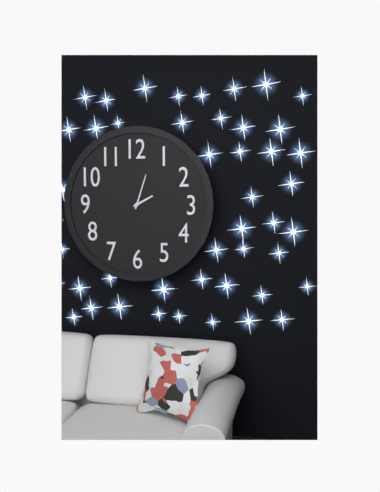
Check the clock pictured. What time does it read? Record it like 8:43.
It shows 2:03
